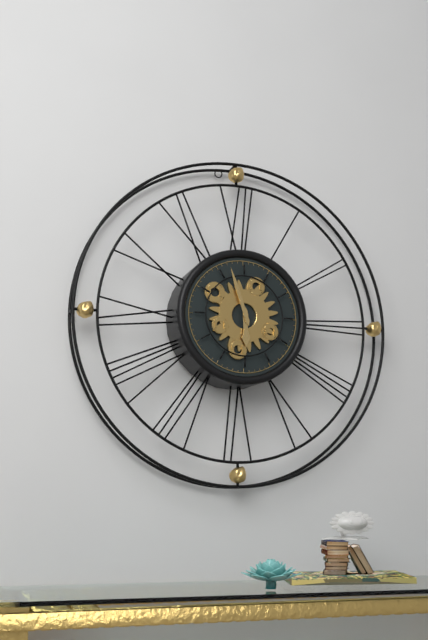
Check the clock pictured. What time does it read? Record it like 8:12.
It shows 5:57
